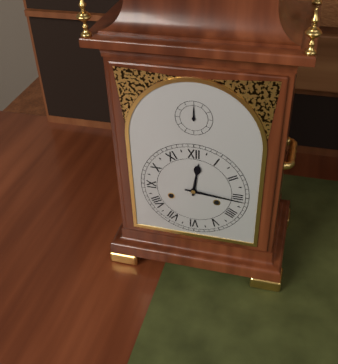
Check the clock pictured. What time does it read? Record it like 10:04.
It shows 12:16
